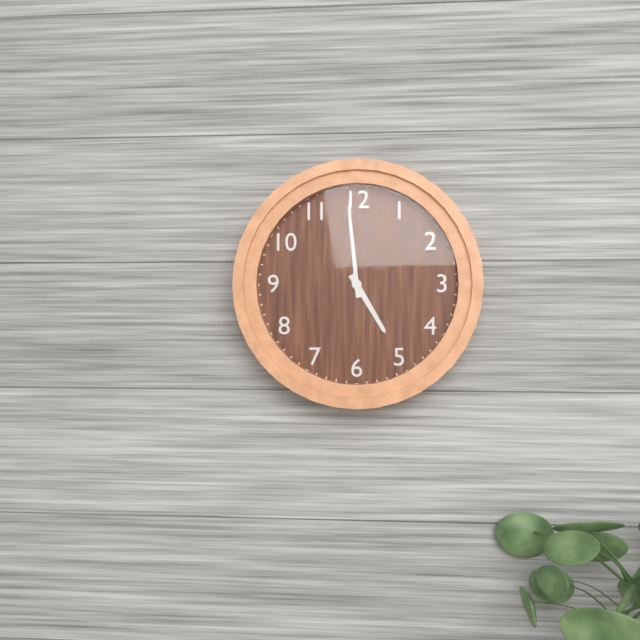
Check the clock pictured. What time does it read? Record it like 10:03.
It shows 4:59
